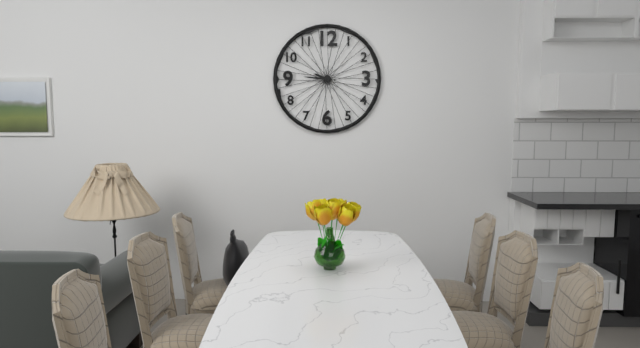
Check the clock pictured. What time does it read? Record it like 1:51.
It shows 9:46
